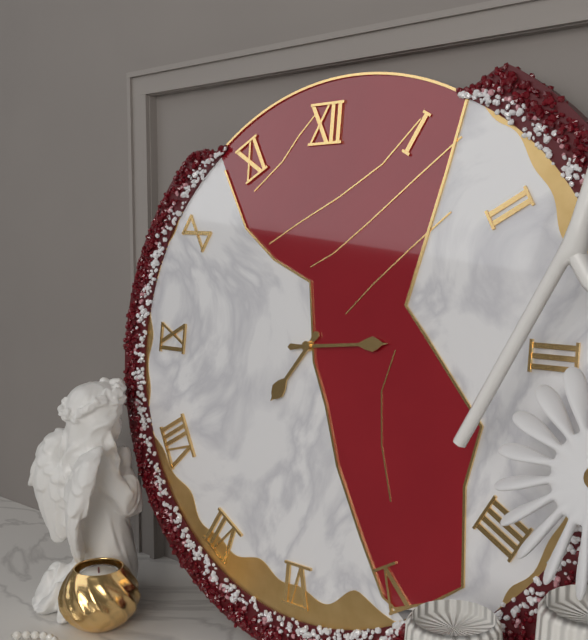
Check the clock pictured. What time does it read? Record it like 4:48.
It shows 7:14
